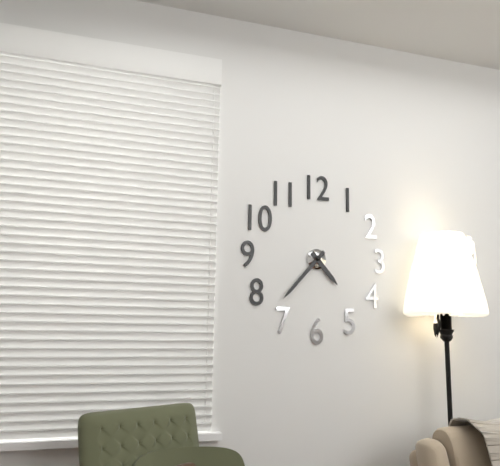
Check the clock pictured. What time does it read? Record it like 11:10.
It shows 4:37
